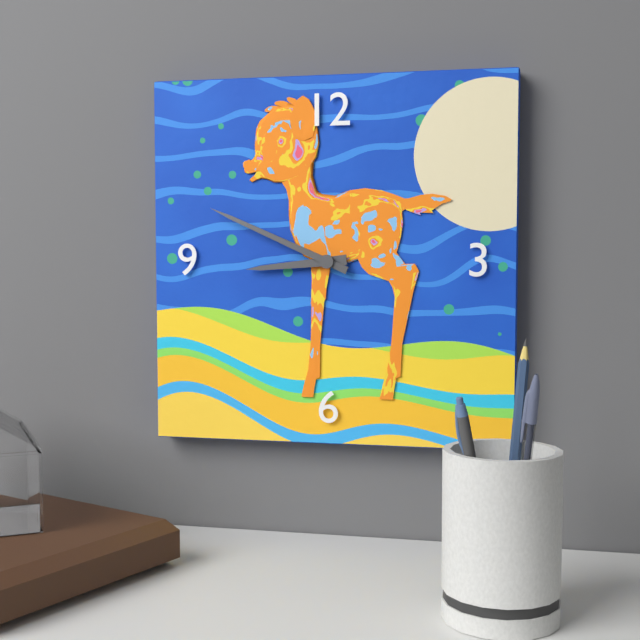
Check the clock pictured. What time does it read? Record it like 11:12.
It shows 8:49
